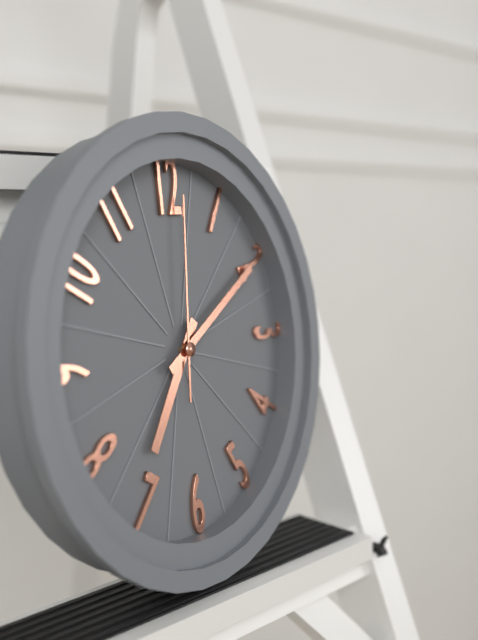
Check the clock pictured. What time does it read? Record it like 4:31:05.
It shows 7:10:01
